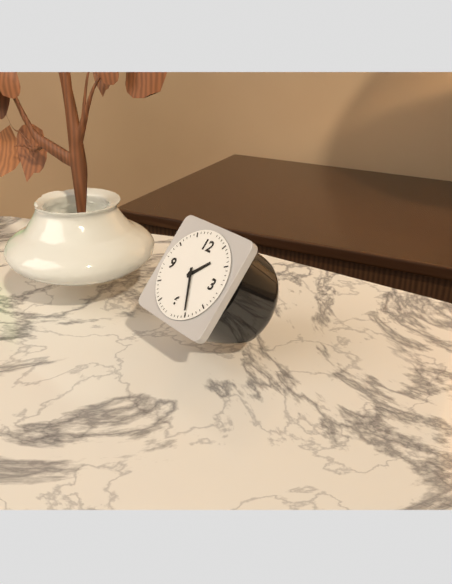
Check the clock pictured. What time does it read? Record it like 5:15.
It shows 1:25
